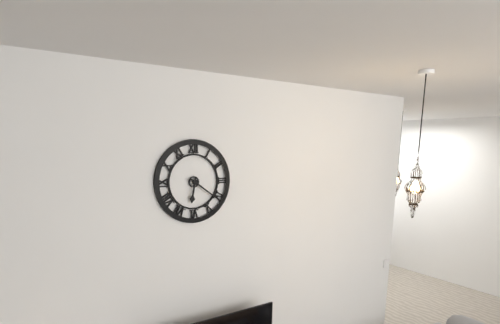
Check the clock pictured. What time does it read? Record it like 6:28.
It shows 6:21
